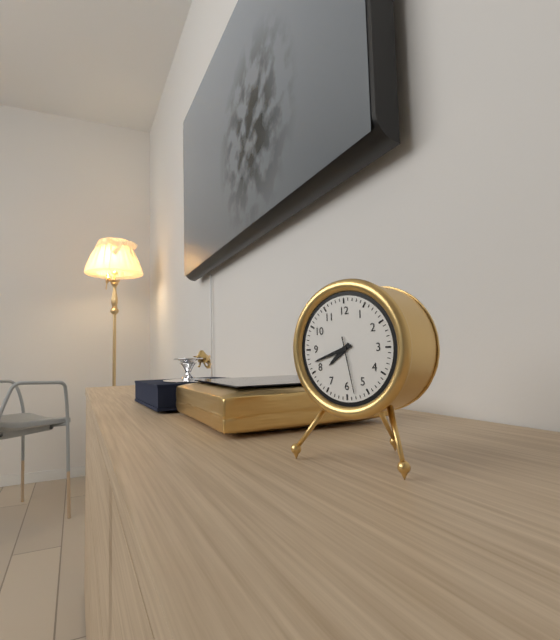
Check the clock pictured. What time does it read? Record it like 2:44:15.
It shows 7:42:28
